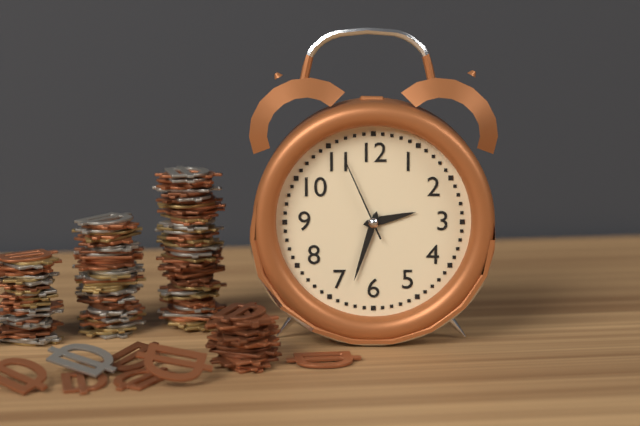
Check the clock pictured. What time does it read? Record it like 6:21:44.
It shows 2:33:56
